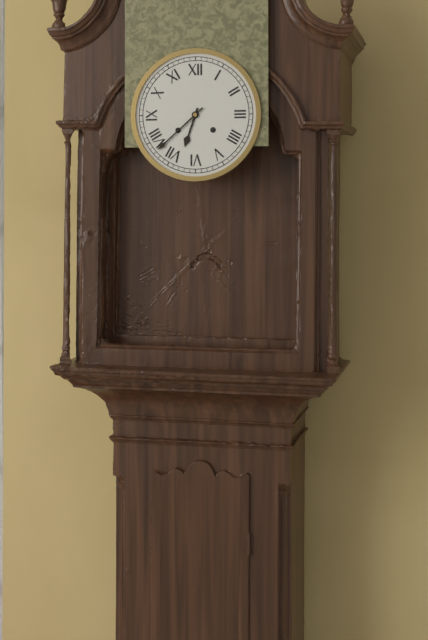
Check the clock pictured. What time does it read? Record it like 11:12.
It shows 6:38
